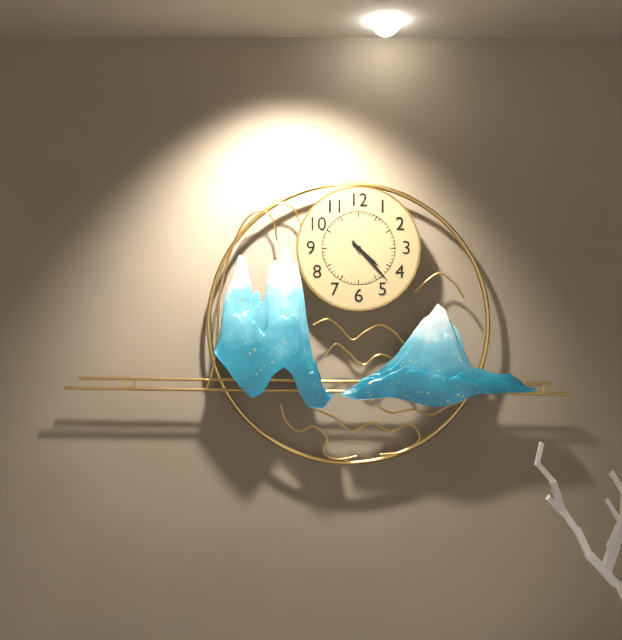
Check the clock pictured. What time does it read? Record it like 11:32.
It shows 4:23
